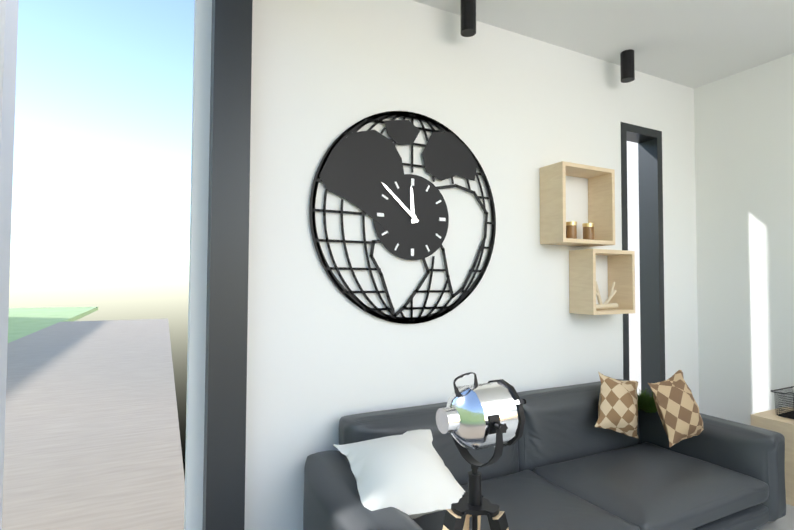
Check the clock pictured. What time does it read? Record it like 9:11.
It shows 11:52
